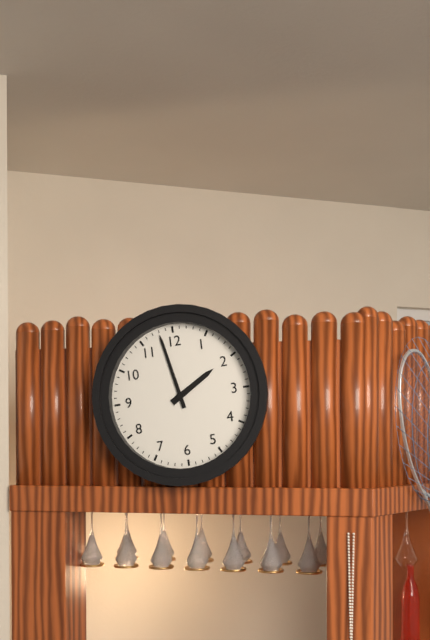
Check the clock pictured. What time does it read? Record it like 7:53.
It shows 1:58
